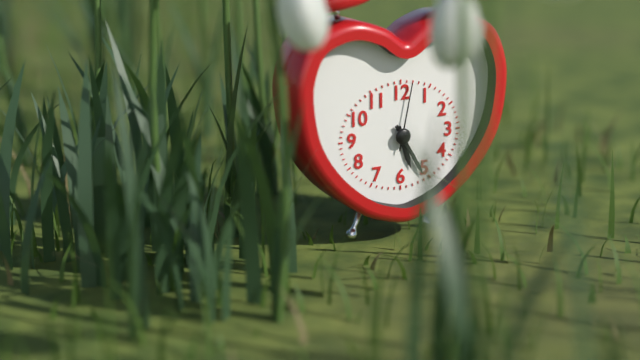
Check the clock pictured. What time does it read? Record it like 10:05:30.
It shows 5:25:02
